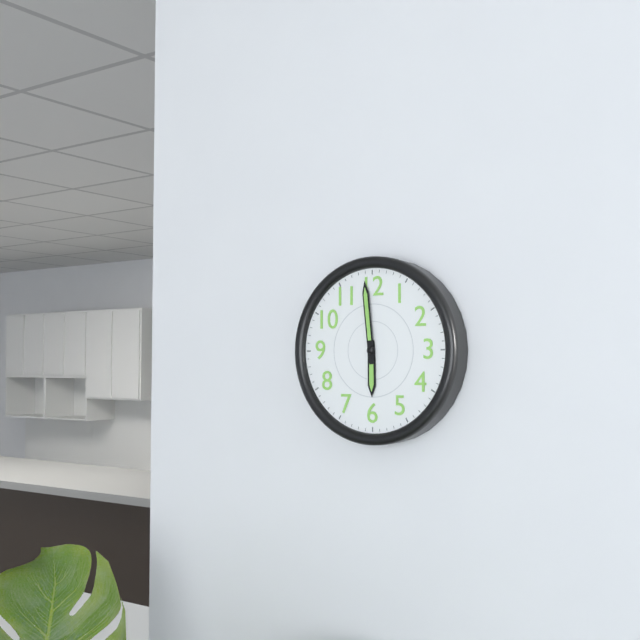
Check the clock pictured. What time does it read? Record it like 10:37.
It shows 5:59
